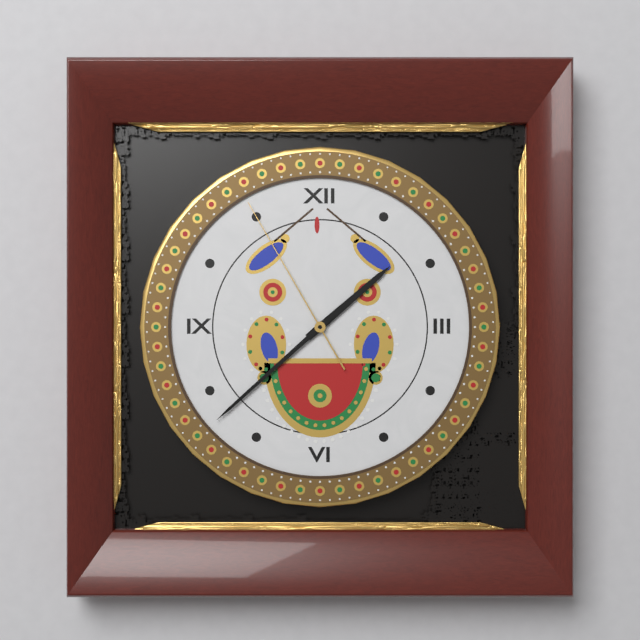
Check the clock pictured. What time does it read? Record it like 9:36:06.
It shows 1:38:55
